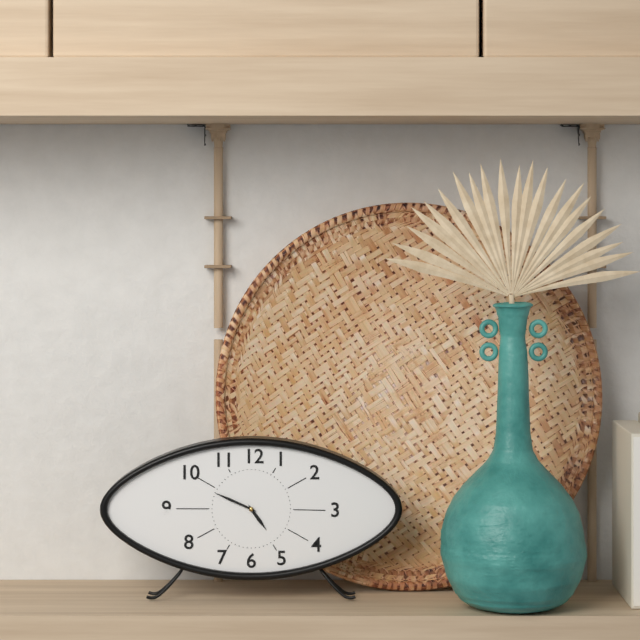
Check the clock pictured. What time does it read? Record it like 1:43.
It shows 4:49
